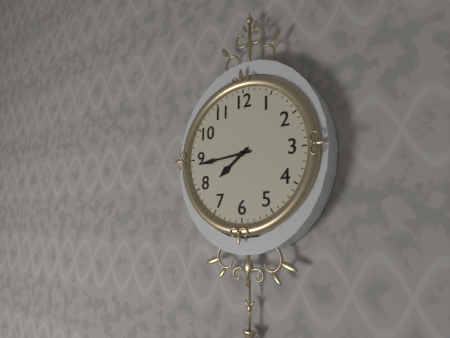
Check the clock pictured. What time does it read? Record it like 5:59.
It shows 7:44
